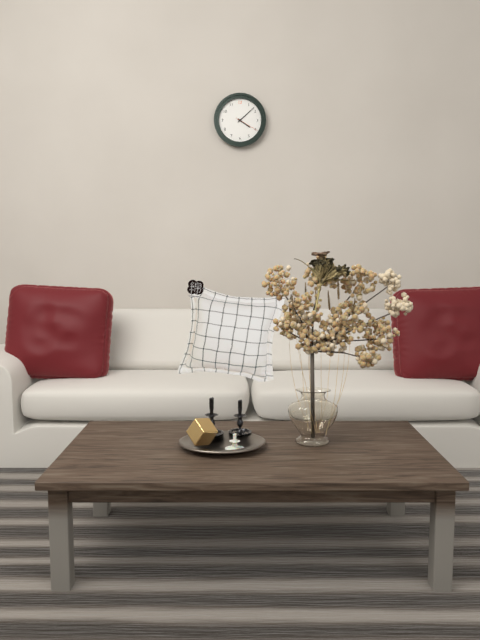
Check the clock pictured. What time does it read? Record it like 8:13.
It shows 4:08
